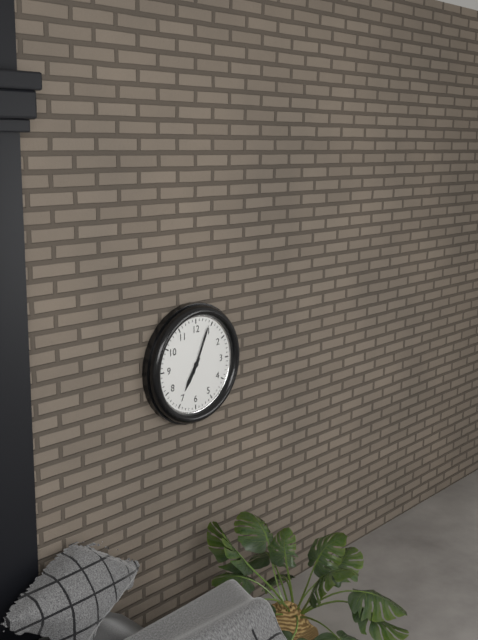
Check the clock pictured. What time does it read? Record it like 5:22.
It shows 7:04
